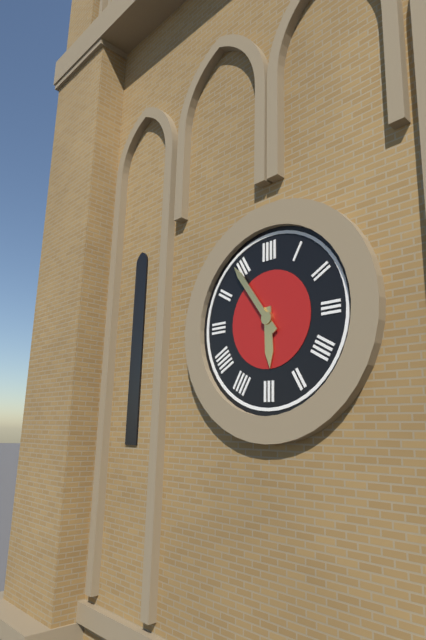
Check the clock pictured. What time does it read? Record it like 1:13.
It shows 5:54
